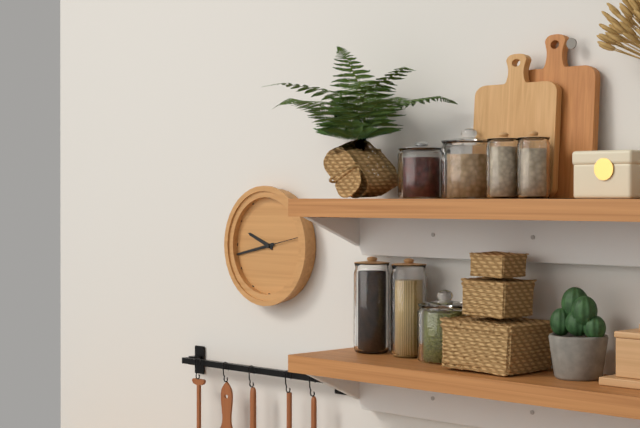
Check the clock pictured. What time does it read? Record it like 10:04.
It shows 9:43
